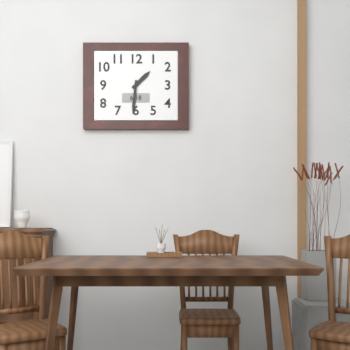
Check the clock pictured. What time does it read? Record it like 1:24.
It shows 1:31
